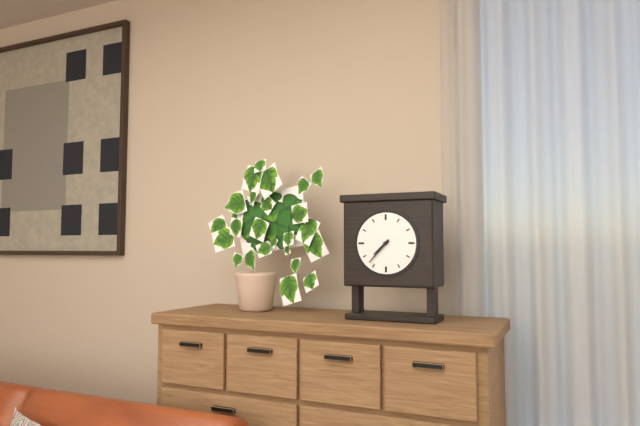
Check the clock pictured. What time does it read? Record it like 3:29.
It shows 7:37
